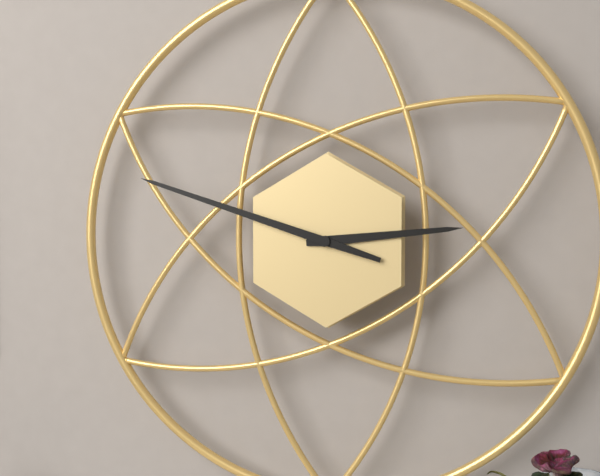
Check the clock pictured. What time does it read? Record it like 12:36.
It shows 2:48
